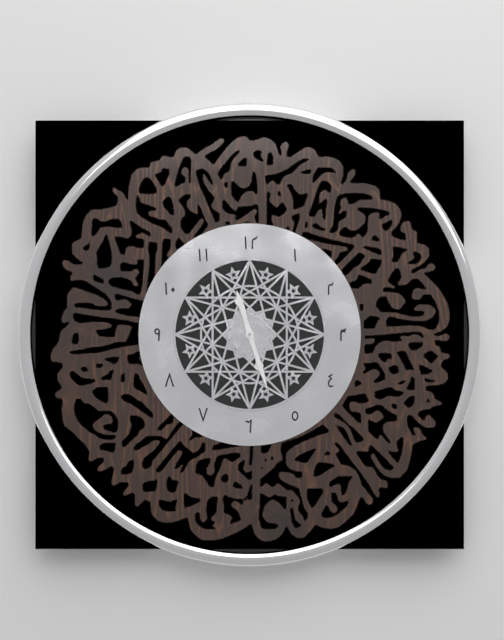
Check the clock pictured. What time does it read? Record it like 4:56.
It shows 11:27
